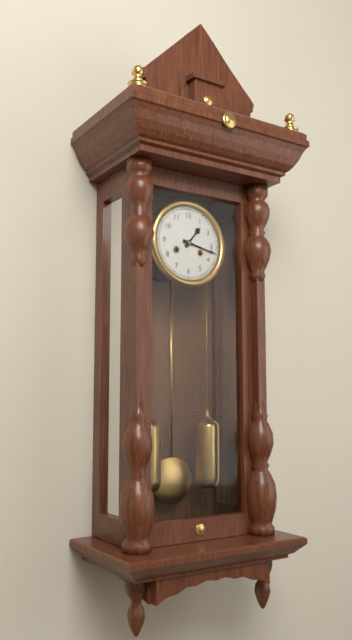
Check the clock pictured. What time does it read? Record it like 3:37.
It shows 1:17
